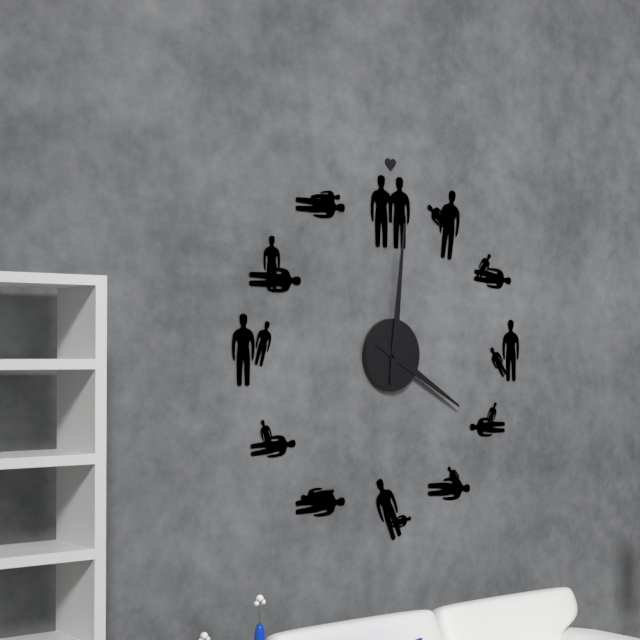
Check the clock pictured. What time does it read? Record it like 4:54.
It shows 4:01
